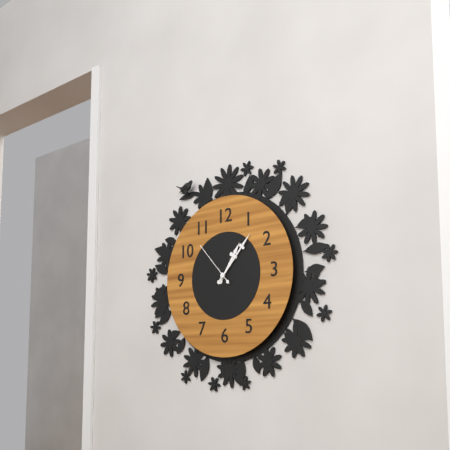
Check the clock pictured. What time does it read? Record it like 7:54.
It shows 1:07
